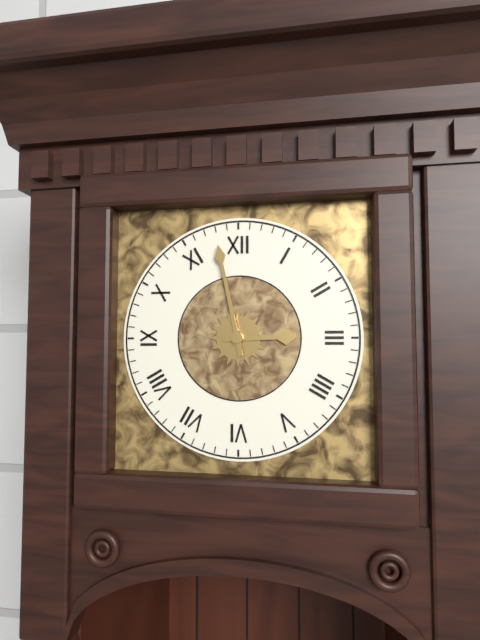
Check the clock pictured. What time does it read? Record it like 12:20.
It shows 2:58
